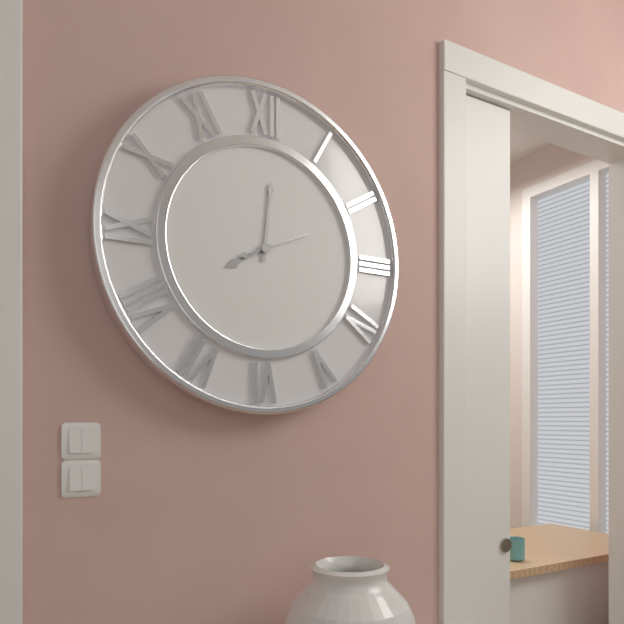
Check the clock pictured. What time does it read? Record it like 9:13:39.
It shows 8:01:11
